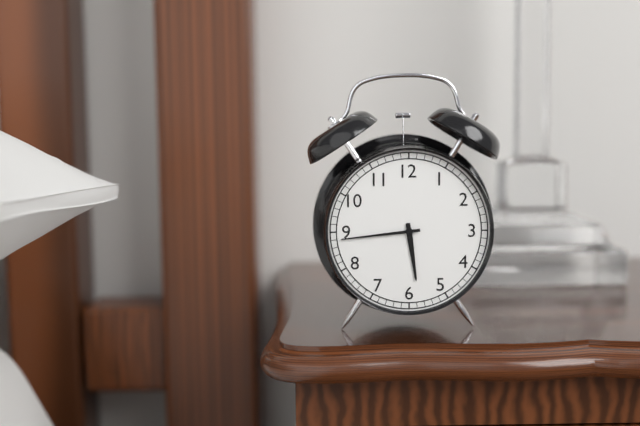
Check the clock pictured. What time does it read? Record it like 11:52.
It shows 5:44
